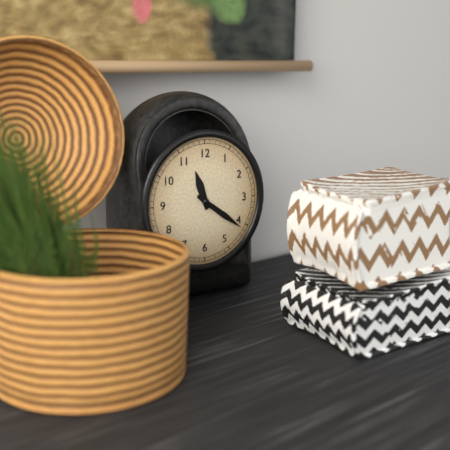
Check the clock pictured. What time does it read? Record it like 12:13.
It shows 11:21
